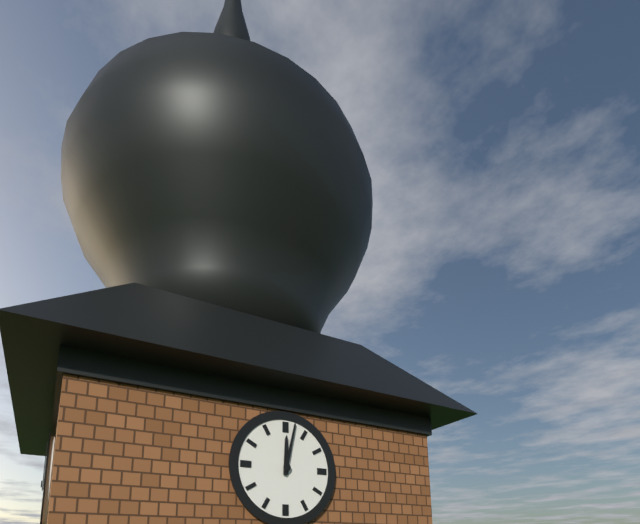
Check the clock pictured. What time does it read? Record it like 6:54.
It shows 12:02
